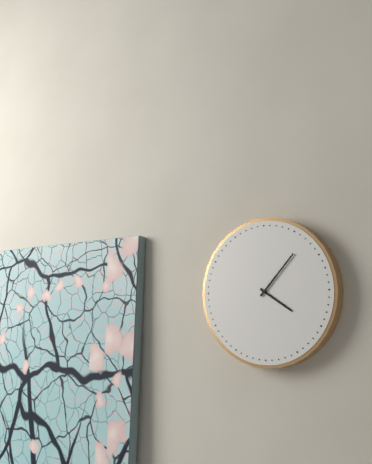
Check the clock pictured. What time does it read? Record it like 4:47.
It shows 4:07
